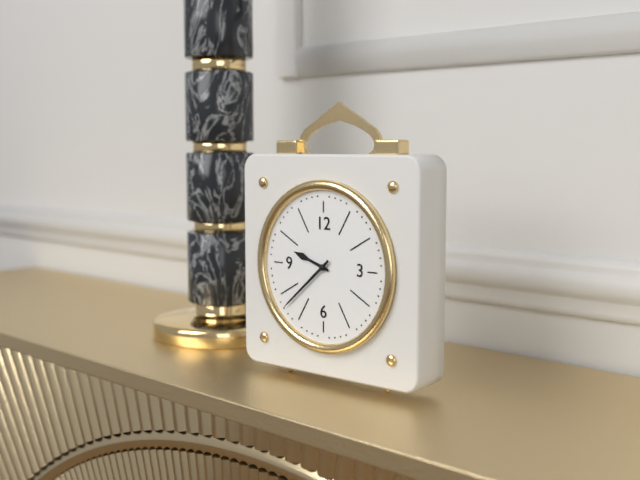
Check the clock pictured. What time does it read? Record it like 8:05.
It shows 9:38
